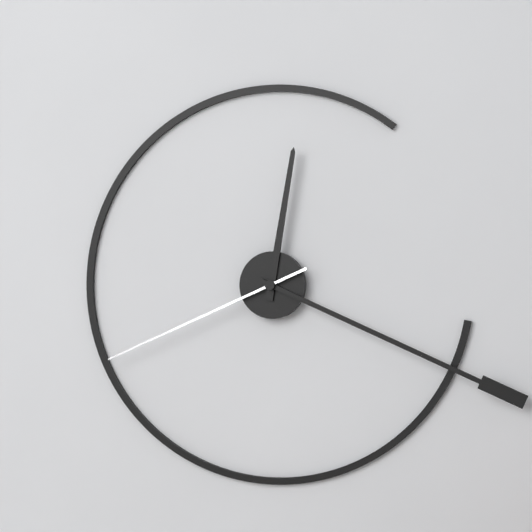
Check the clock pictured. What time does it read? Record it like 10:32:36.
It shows 12:19:41
